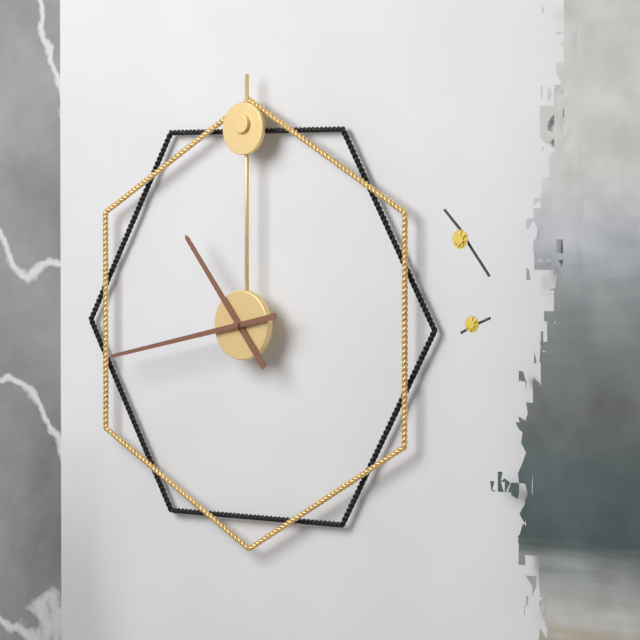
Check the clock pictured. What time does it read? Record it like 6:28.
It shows 10:43
